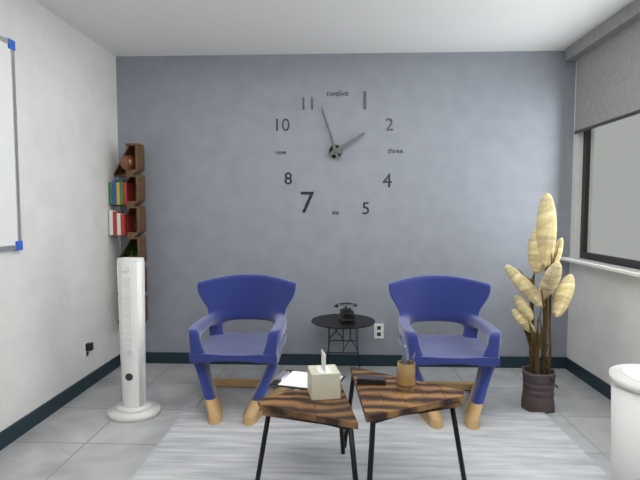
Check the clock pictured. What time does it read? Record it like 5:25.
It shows 1:57
